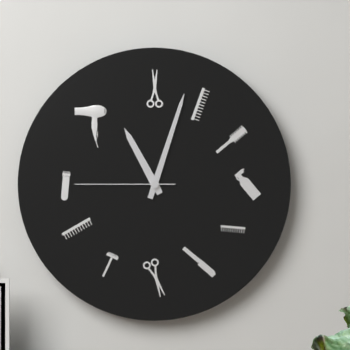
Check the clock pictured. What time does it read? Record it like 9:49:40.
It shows 11:03:45
